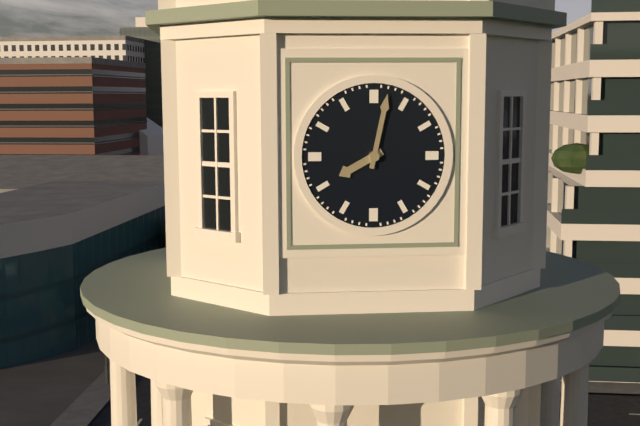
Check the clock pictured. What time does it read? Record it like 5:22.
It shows 8:02
